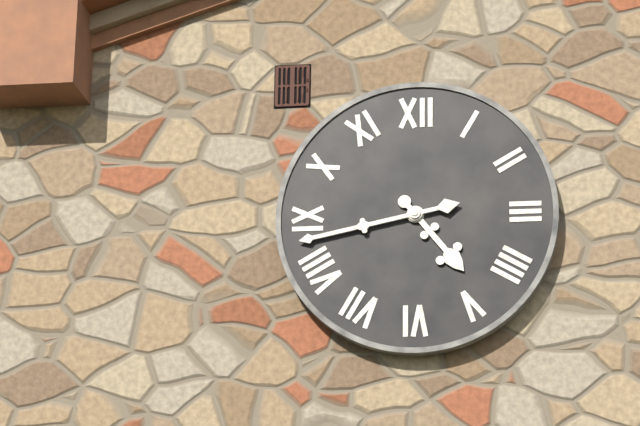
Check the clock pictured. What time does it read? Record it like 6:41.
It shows 4:43
